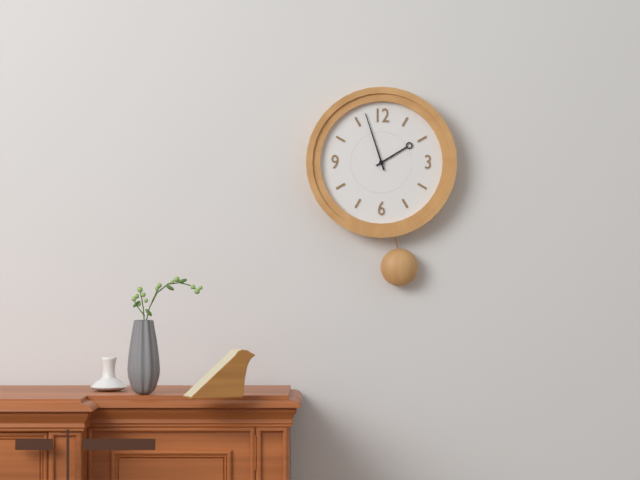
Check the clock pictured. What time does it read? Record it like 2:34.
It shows 1:57
